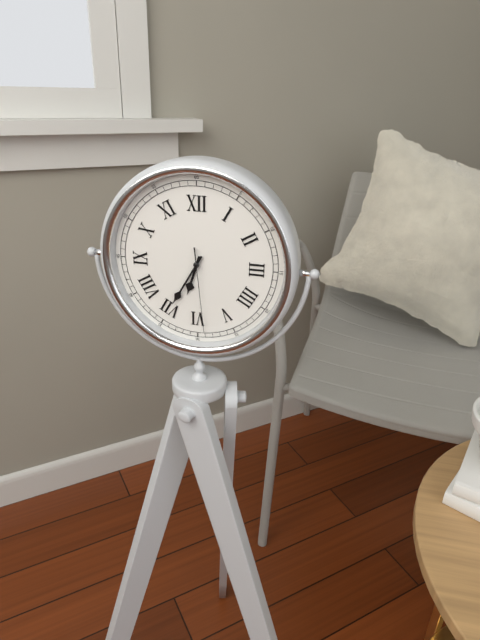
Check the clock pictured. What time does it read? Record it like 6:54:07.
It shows 6:35:29
